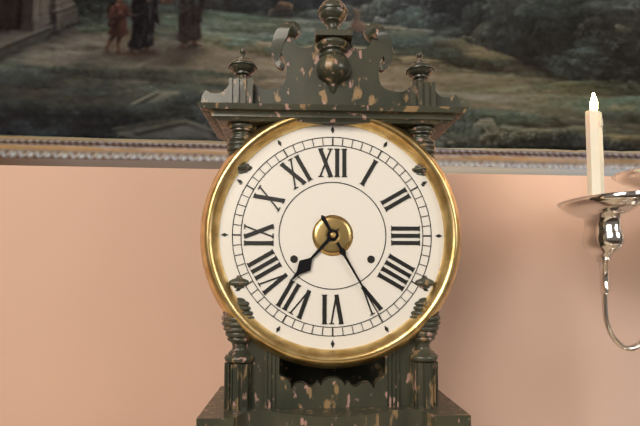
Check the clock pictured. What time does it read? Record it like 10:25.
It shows 7:25
